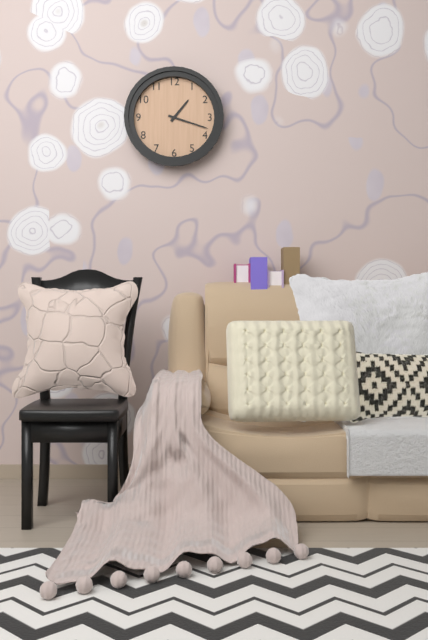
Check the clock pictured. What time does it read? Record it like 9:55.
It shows 1:18
